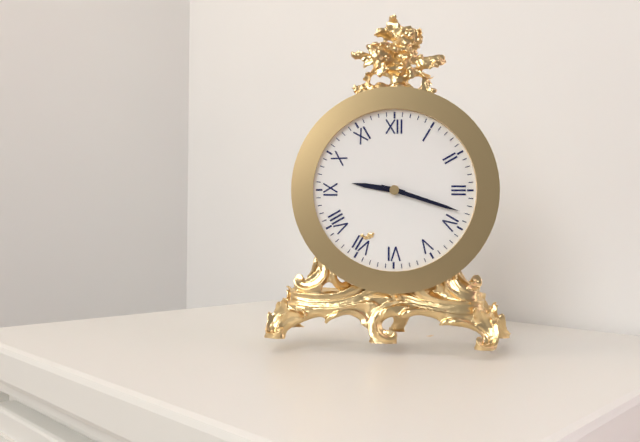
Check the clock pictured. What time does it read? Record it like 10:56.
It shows 9:18
